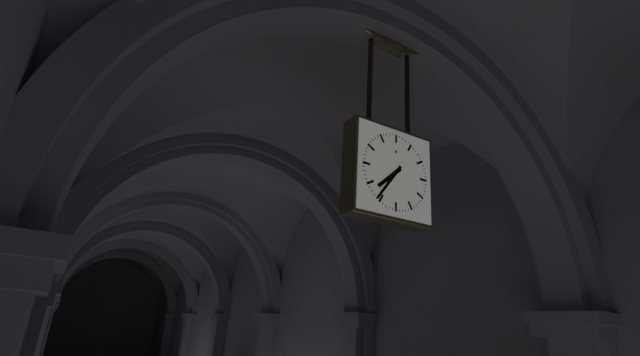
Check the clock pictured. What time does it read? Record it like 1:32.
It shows 7:36
